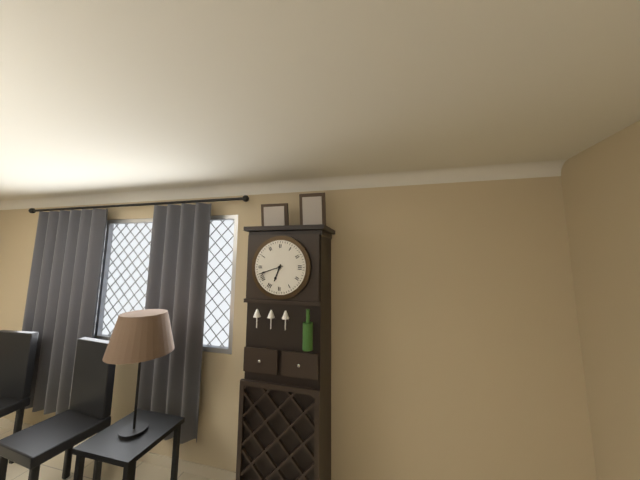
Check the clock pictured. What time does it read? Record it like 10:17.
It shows 6:42
